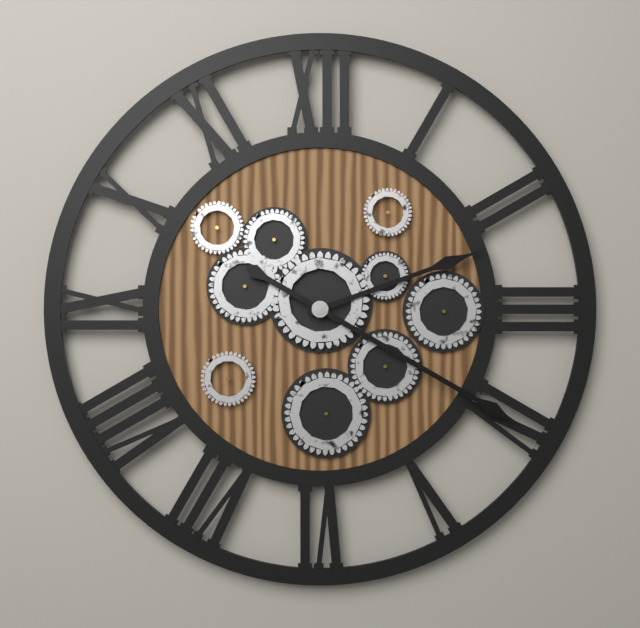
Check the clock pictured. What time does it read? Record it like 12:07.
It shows 2:20
